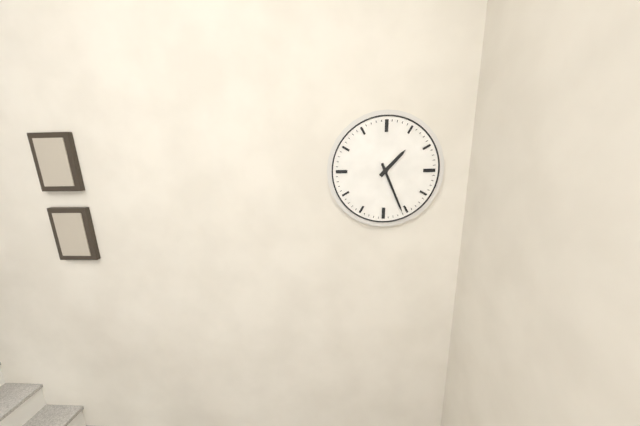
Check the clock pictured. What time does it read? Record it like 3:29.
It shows 1:26
